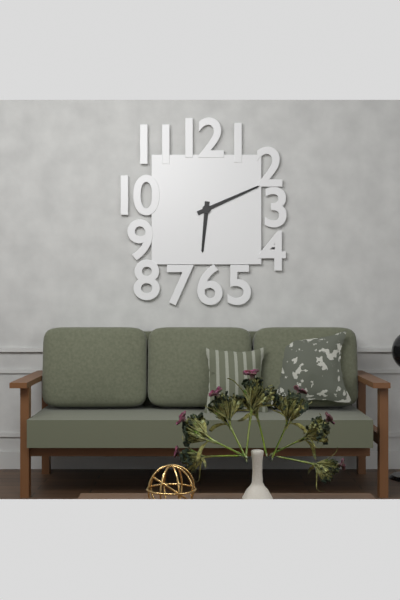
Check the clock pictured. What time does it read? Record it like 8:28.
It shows 6:11
